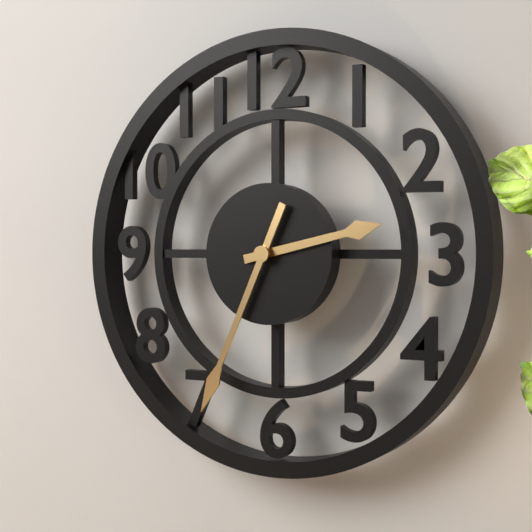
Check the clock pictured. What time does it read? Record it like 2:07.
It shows 2:34
